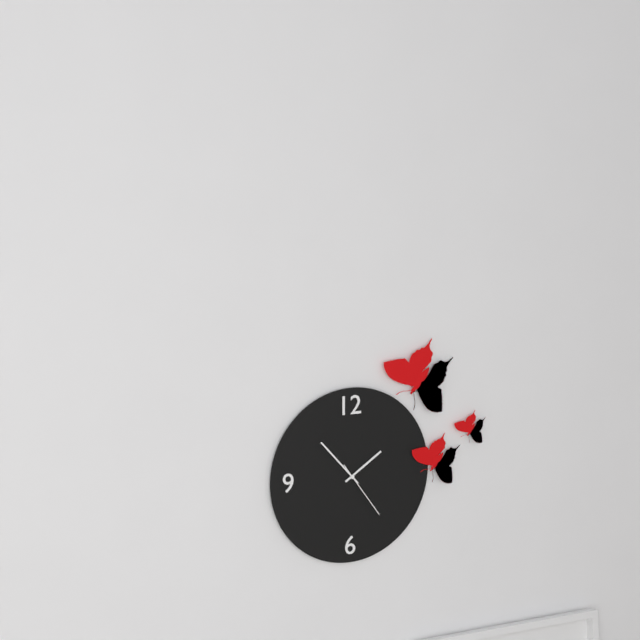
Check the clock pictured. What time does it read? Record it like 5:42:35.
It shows 1:53:24
